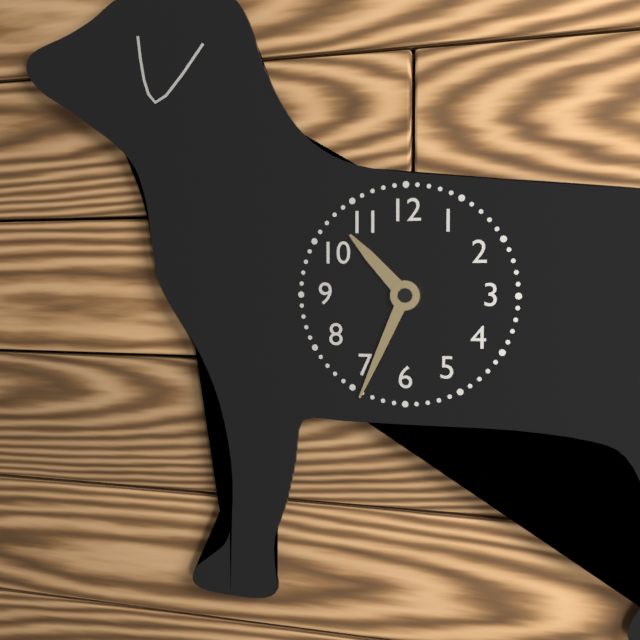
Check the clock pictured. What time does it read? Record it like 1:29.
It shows 10:34
